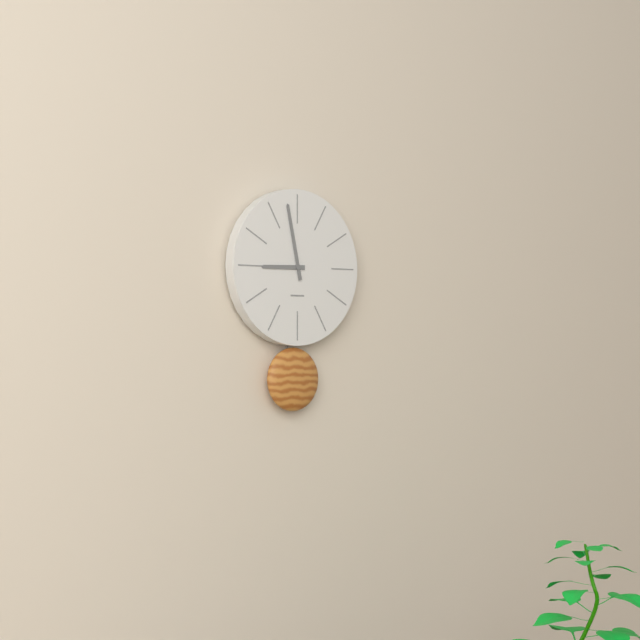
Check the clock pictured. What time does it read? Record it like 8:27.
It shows 8:58
